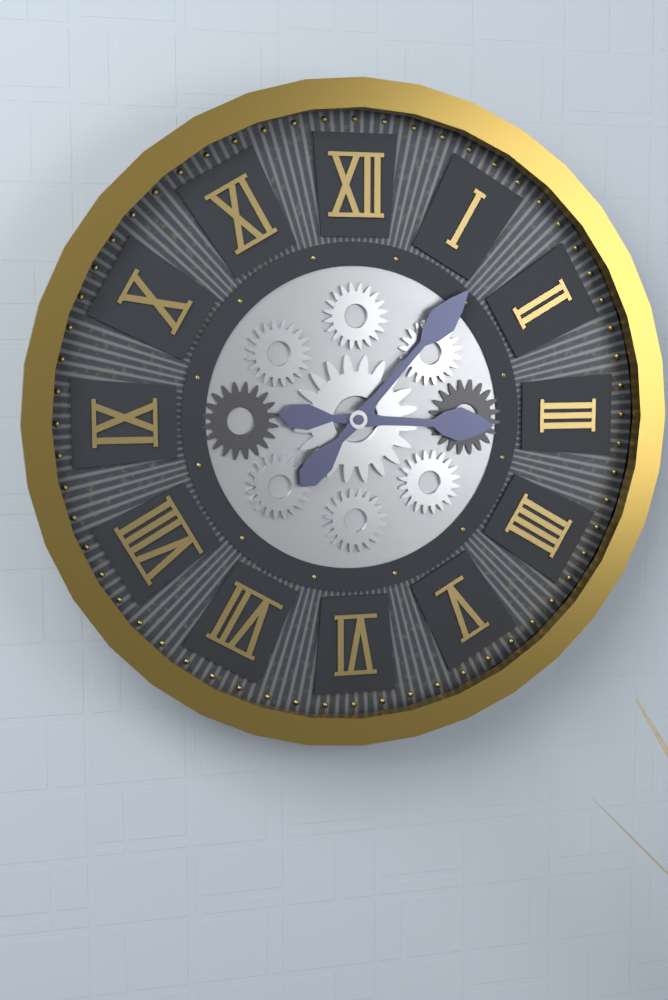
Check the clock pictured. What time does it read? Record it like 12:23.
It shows 3:07
